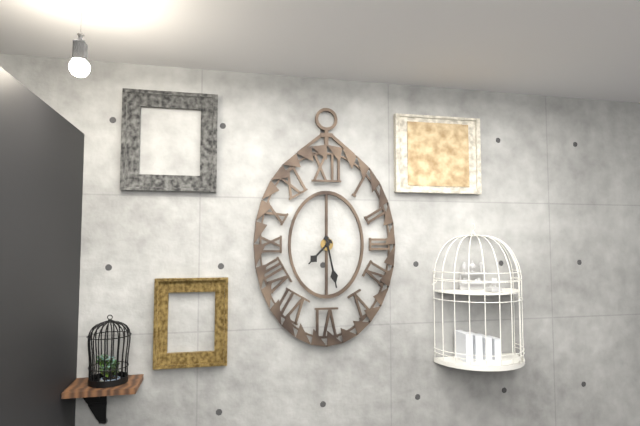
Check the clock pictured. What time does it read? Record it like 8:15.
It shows 7:28
